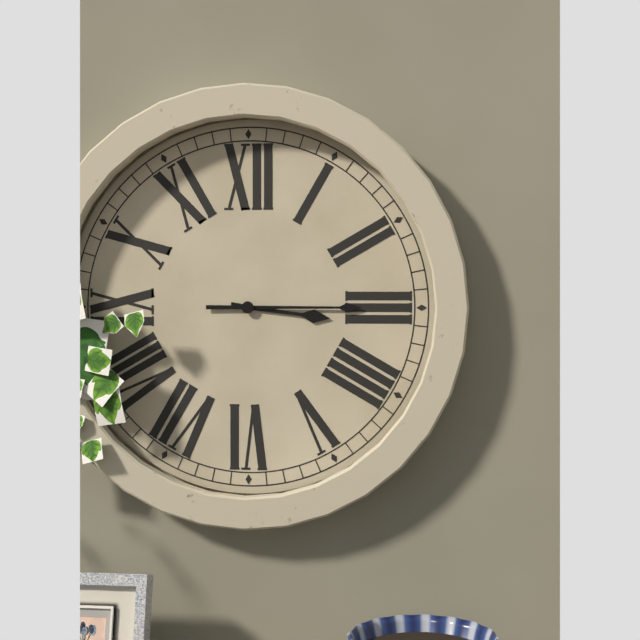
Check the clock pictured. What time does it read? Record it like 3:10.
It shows 3:15
